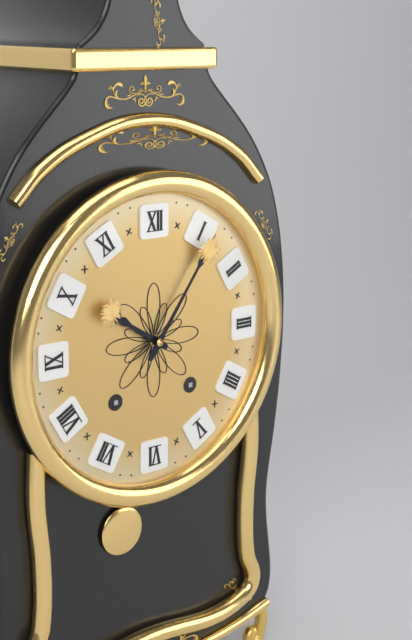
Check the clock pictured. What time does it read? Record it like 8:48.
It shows 10:06
